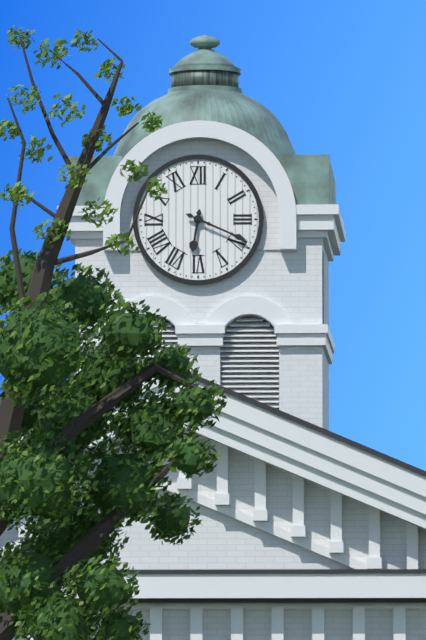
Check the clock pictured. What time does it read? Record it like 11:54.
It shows 6:19
